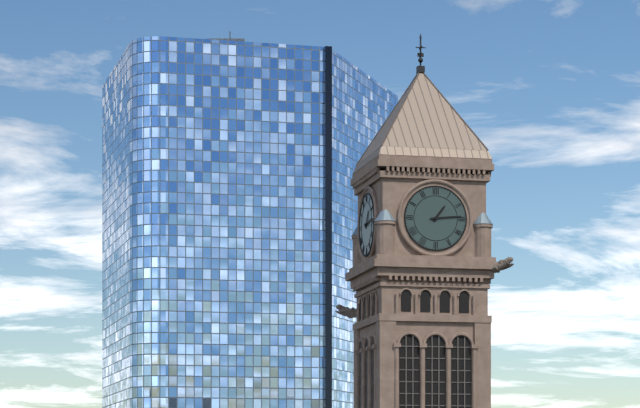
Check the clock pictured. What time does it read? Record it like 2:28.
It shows 1:14
